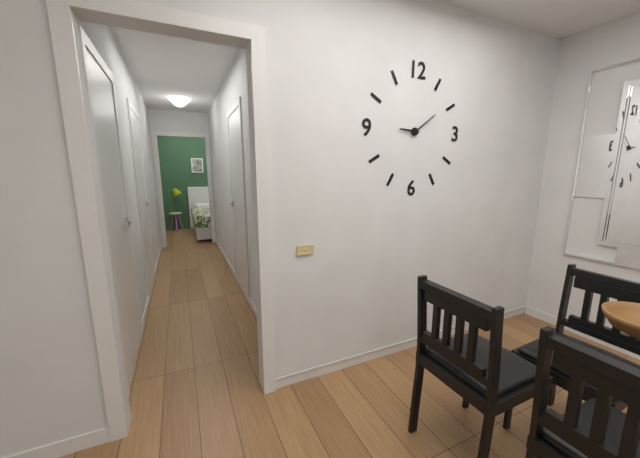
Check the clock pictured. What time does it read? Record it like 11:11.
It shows 9:09
